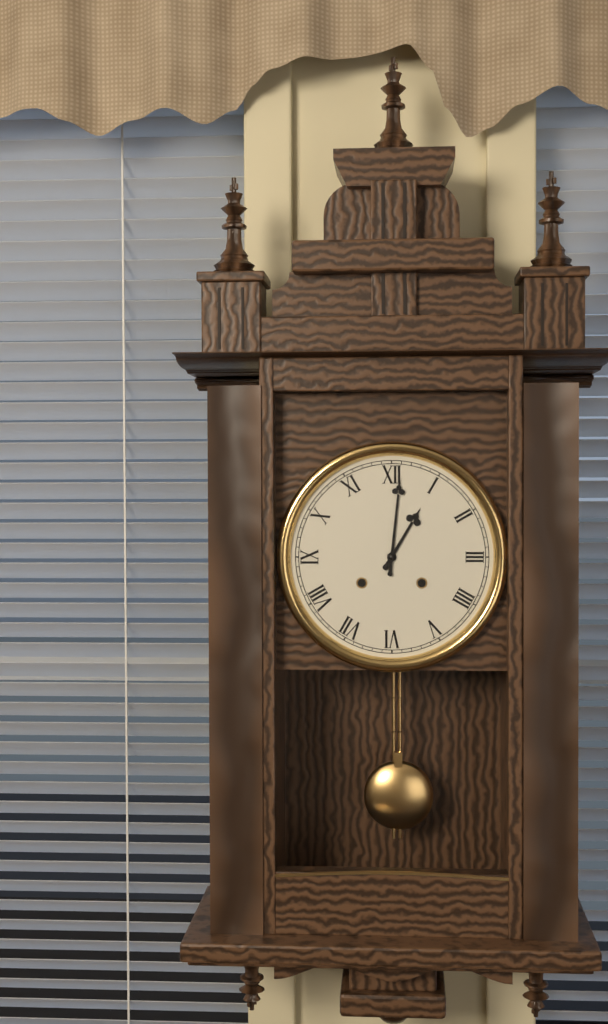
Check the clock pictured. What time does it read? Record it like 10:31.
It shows 1:01
